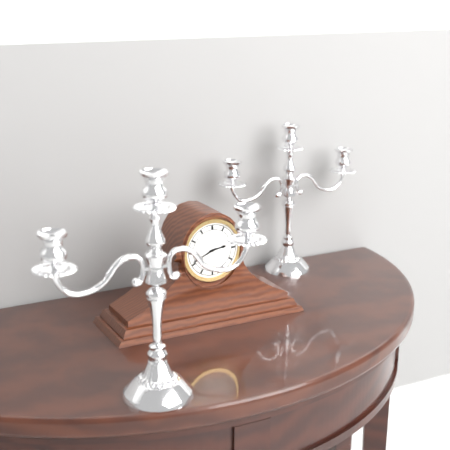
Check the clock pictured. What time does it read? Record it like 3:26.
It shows 2:41
